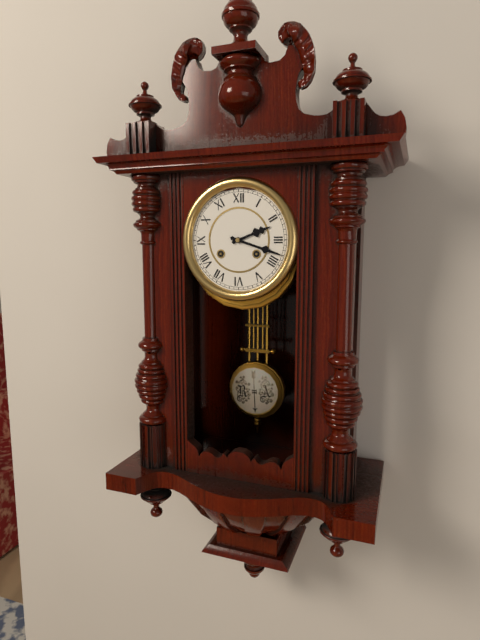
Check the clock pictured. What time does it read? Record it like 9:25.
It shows 2:18
